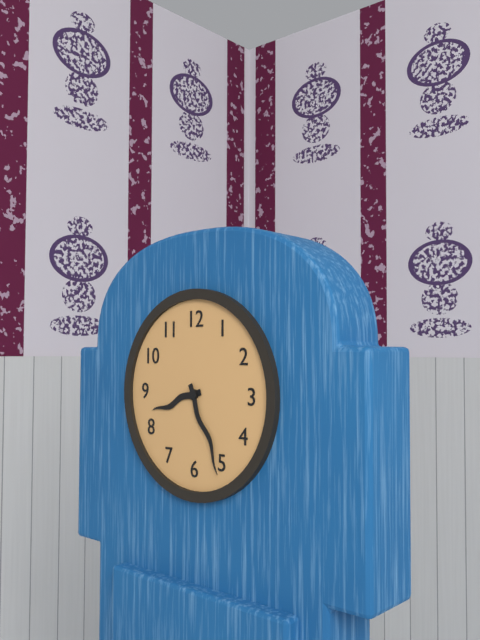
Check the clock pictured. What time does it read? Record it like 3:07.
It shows 8:26
